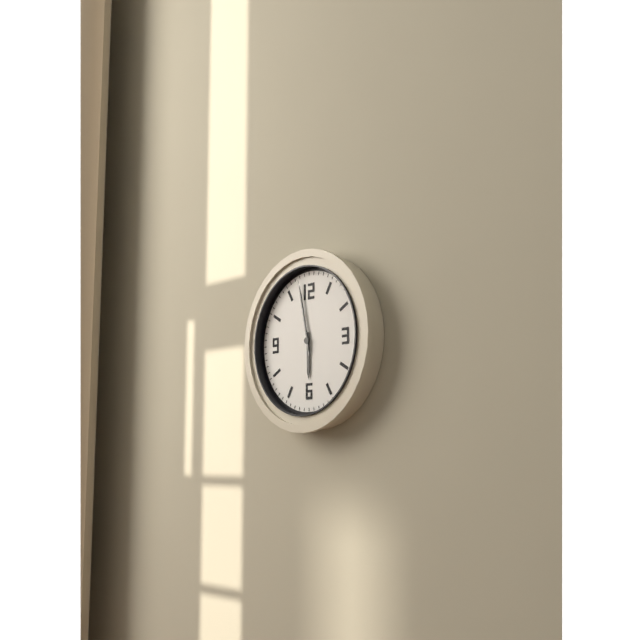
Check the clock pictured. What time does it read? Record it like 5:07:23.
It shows 5:58:58
